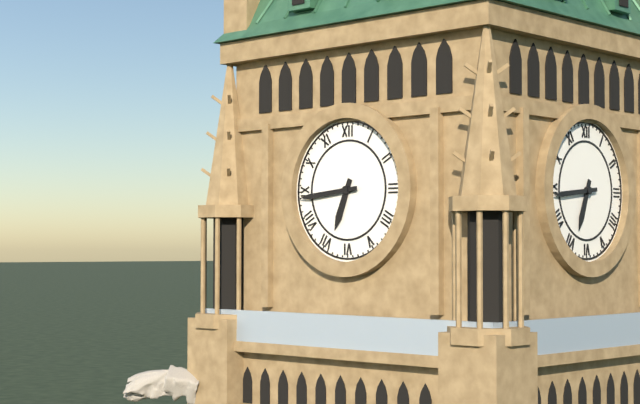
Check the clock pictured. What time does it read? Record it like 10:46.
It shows 6:44
